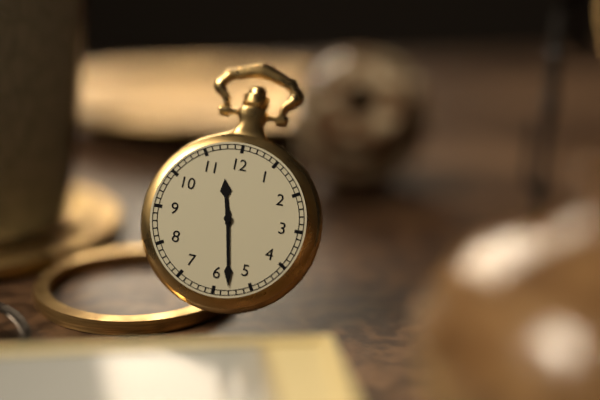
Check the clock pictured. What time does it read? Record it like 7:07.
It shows 11:28
